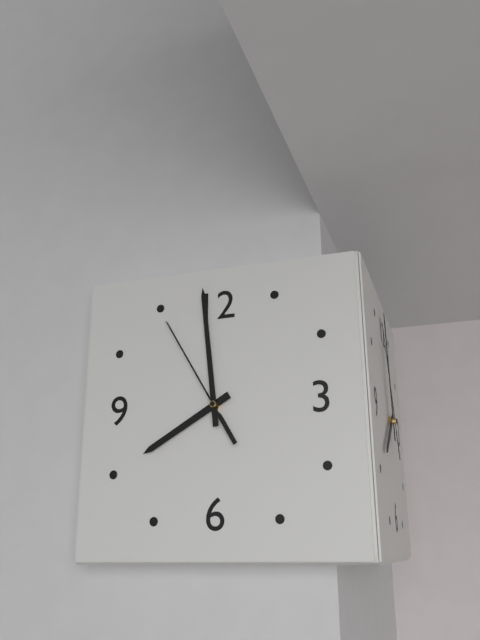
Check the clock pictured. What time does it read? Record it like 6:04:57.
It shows 7:59:55
